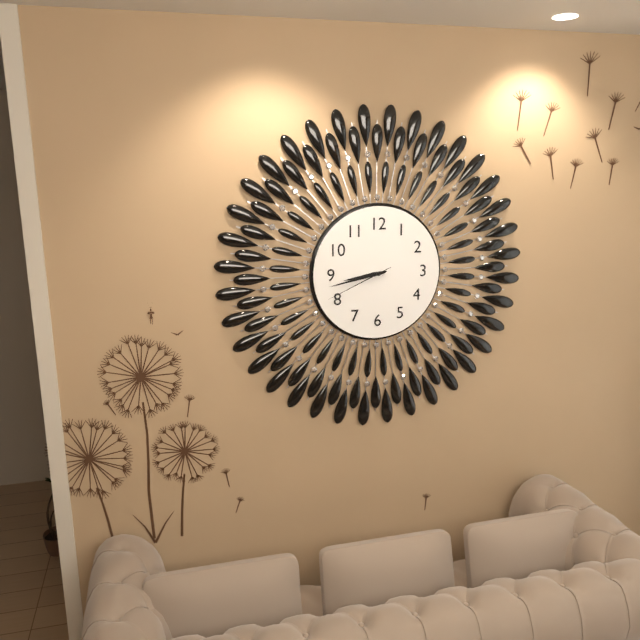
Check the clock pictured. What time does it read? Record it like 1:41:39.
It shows 8:43:41
